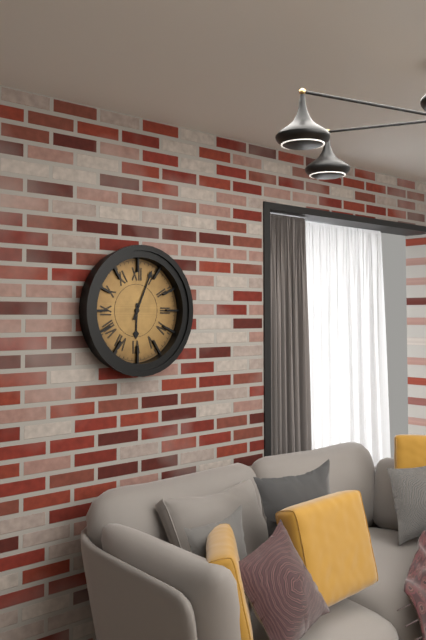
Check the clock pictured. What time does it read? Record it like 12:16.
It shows 6:04
